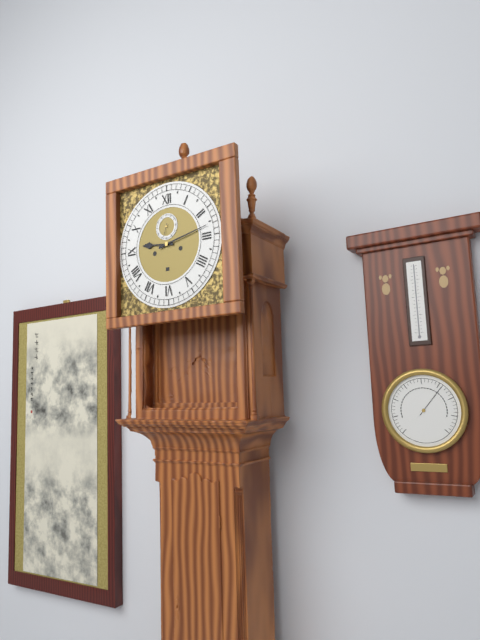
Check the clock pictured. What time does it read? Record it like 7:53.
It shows 9:13
